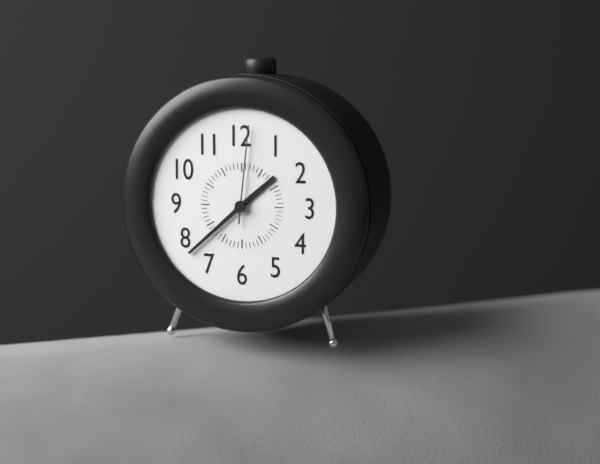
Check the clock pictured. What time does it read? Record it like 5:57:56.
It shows 1:38:01
